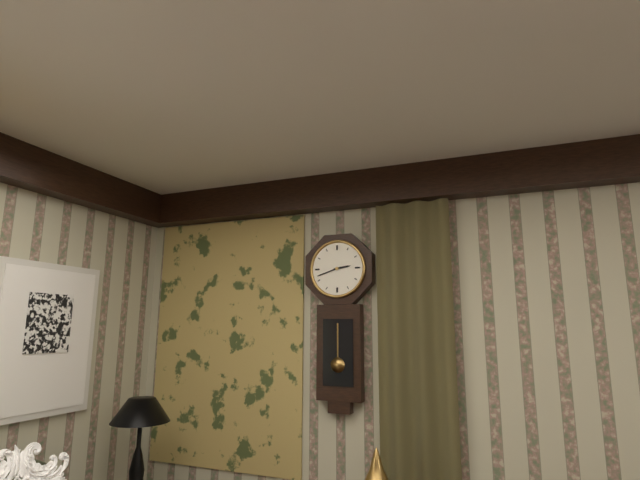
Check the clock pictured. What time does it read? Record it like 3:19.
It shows 2:42
